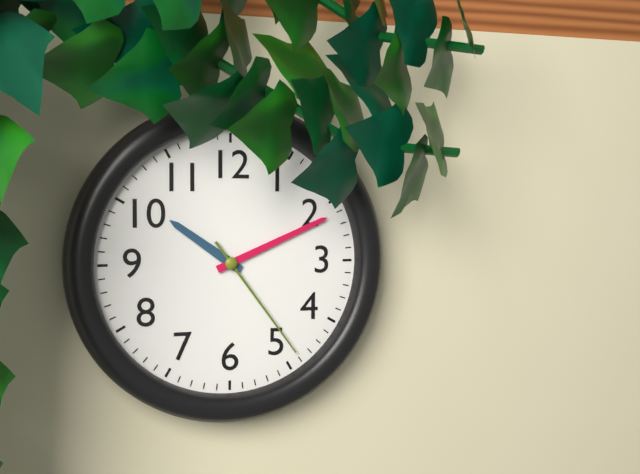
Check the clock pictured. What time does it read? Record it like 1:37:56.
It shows 10:11:24
